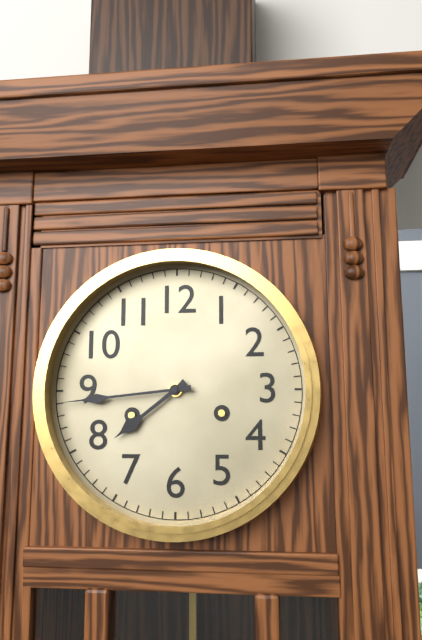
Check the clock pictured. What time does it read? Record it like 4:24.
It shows 7:44
